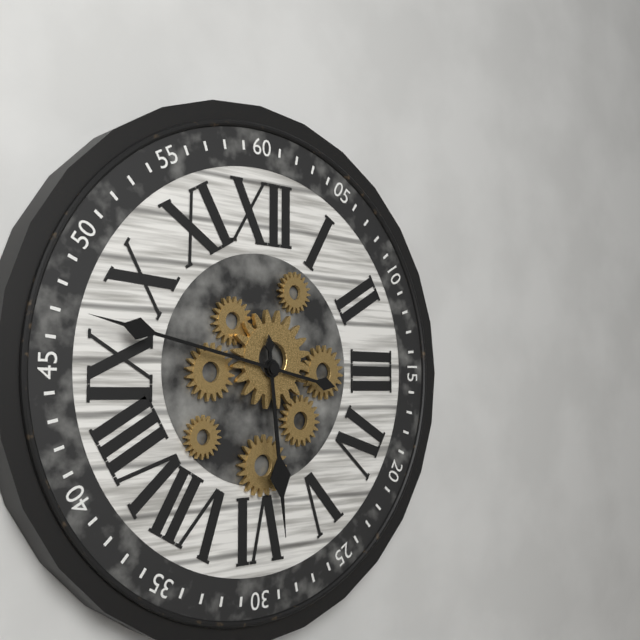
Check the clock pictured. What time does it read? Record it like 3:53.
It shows 5:47
